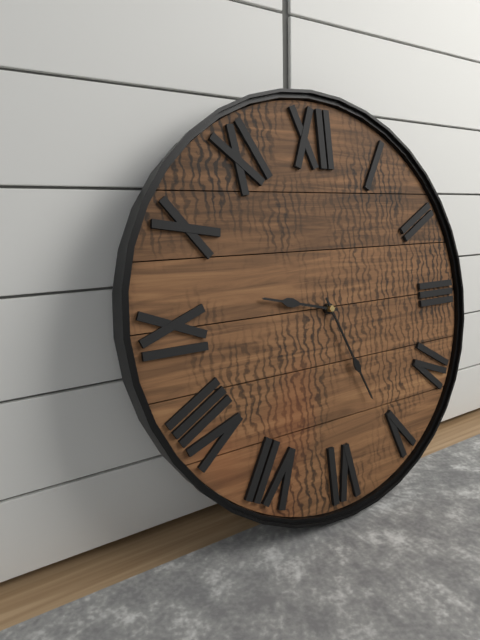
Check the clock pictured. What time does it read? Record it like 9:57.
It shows 9:26
